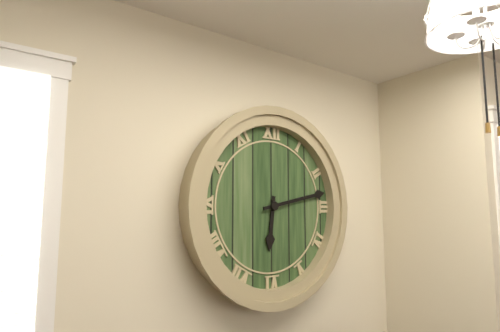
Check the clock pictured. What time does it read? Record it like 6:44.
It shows 6:13
